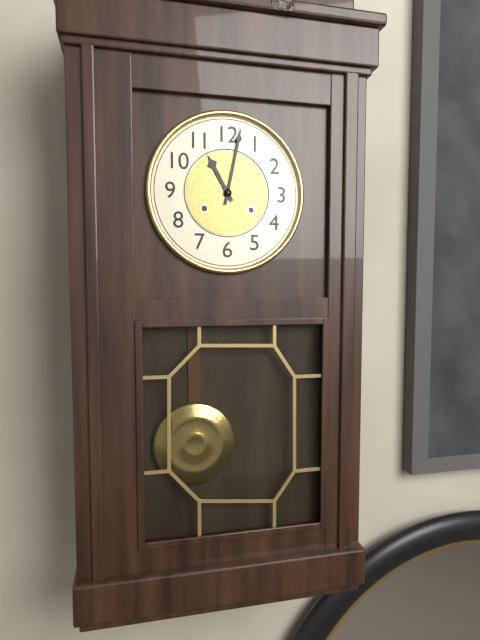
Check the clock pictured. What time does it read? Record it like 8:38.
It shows 11:02
